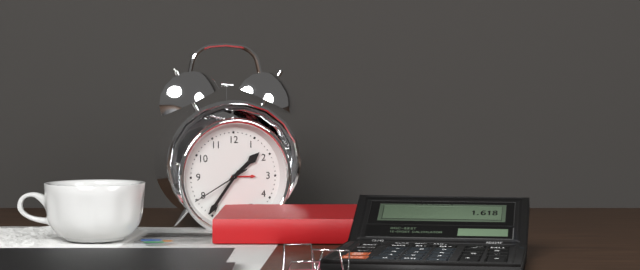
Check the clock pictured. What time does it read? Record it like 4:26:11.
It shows 1:36:40
